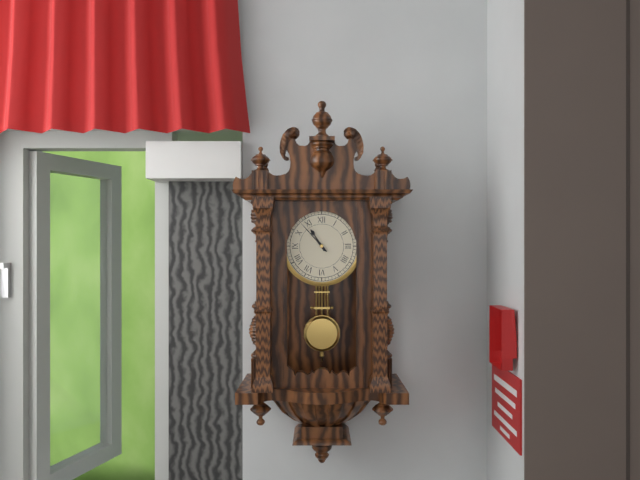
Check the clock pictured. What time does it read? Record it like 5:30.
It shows 10:53
